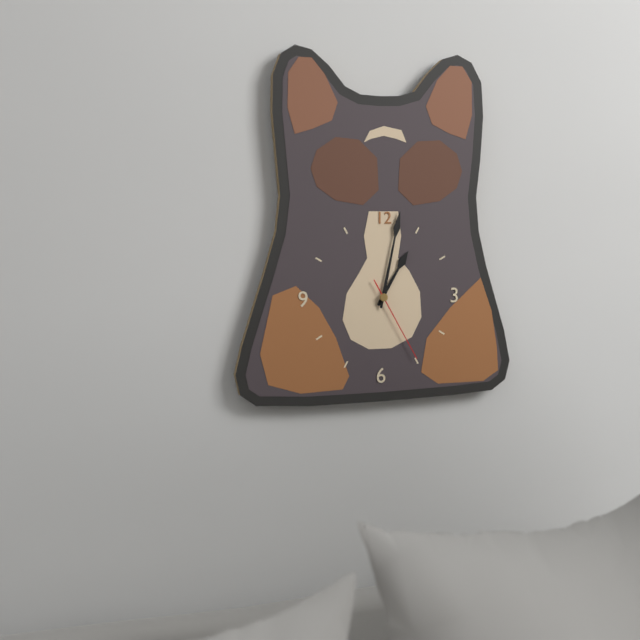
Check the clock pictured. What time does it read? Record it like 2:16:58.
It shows 1:02:25
